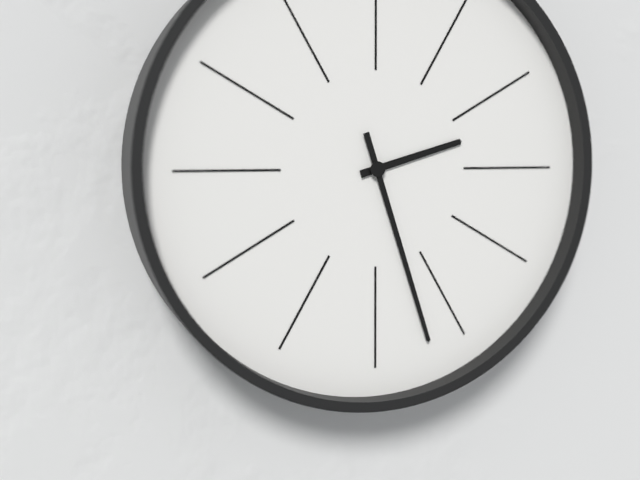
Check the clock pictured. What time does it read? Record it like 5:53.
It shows 2:27
